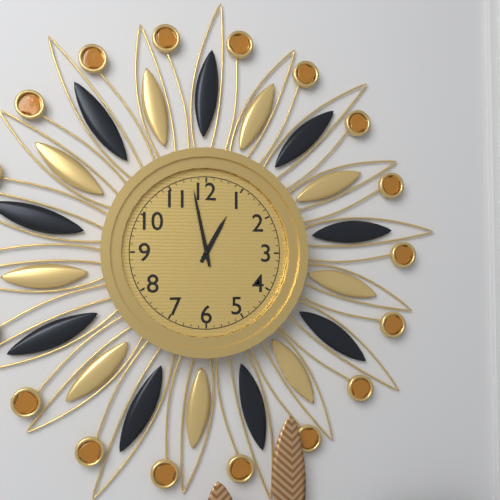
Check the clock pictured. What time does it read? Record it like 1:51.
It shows 12:58
